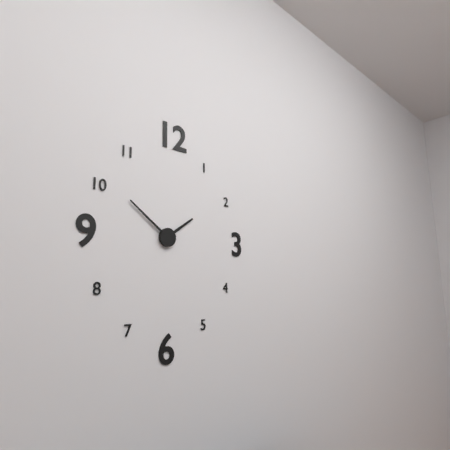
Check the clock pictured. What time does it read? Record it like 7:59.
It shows 1:51
